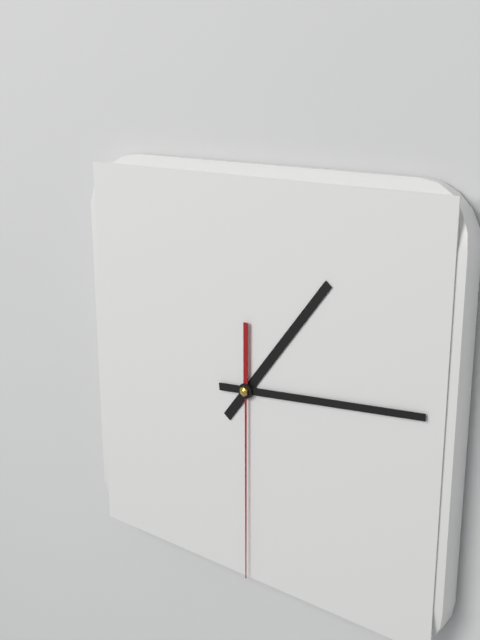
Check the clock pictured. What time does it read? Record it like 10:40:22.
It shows 1:14:30
